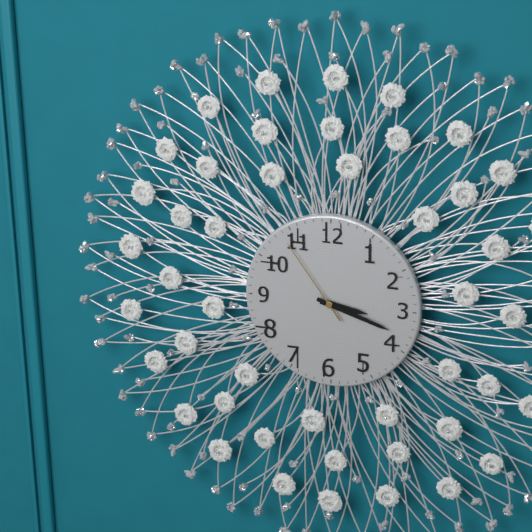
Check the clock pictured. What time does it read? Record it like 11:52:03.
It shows 3:18:54
